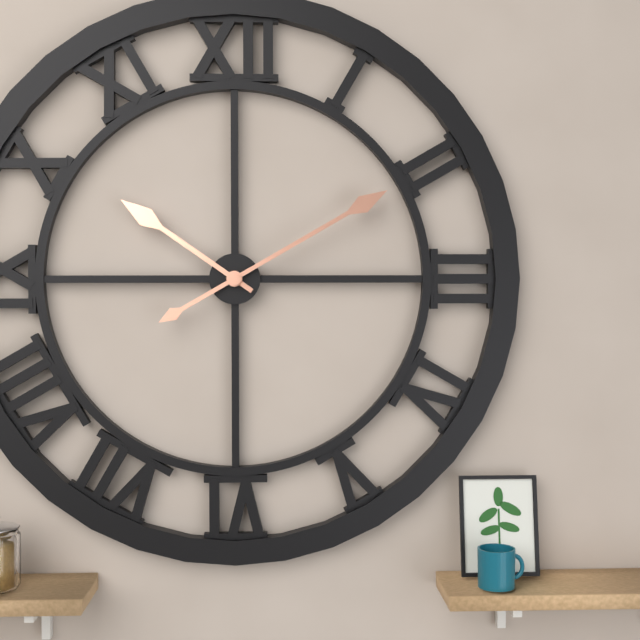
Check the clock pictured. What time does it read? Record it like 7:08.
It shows 10:10
